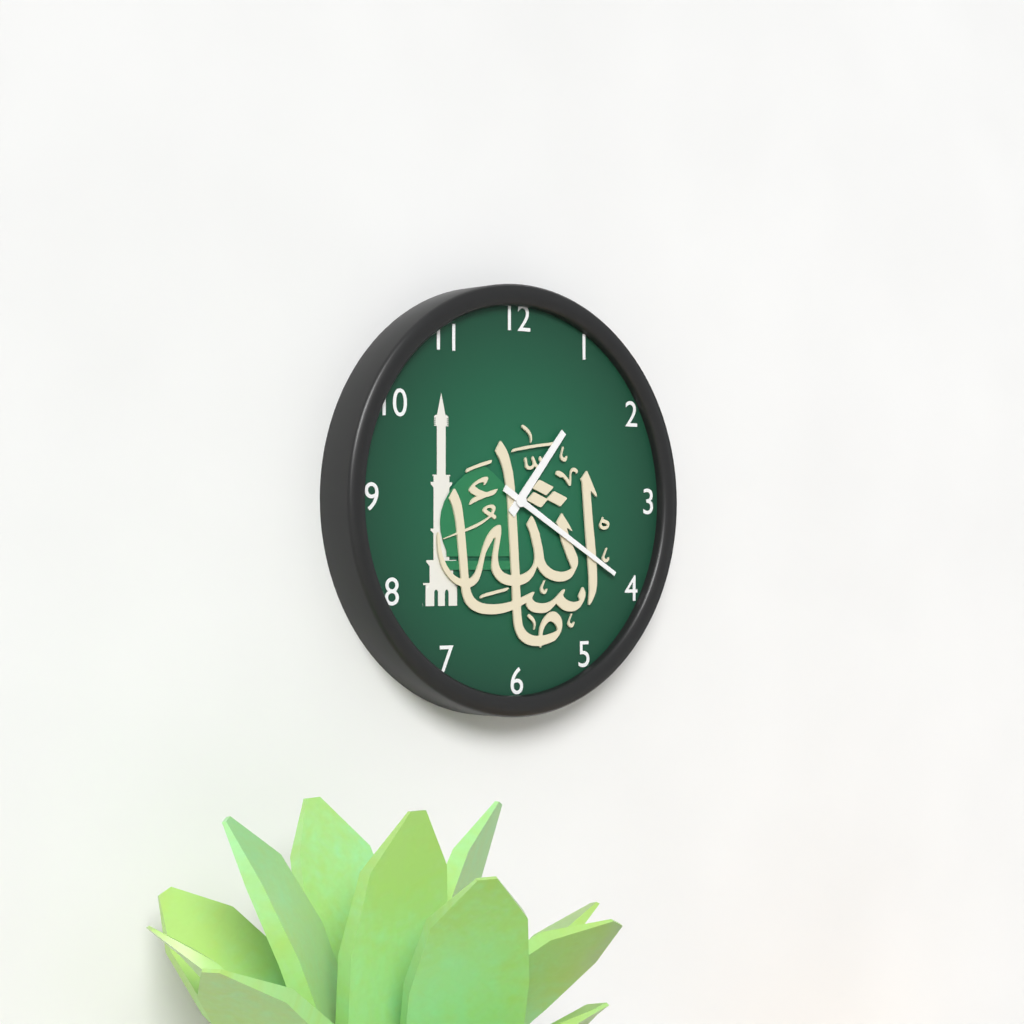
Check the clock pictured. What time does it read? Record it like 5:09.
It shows 1:20
